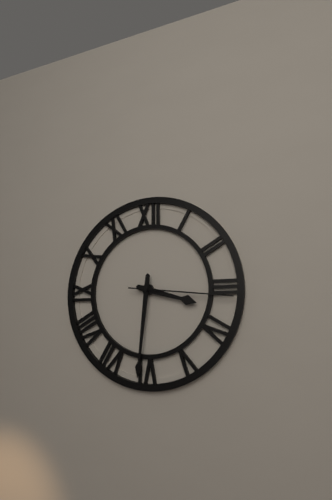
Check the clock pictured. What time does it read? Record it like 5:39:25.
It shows 3:31:16
